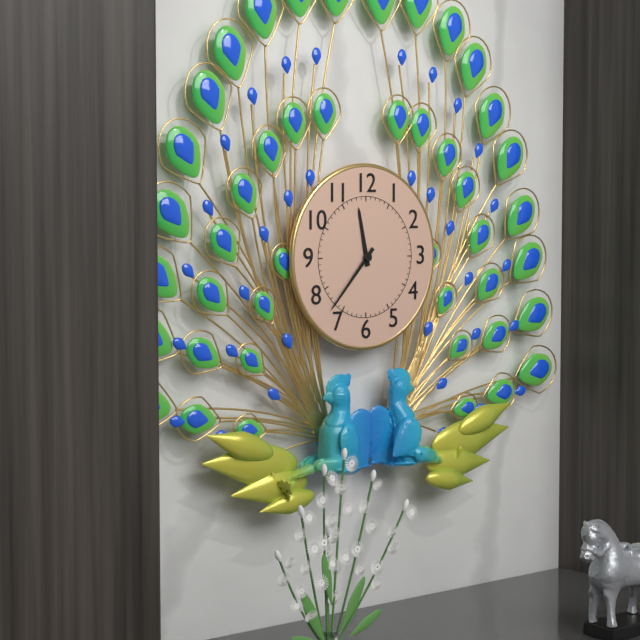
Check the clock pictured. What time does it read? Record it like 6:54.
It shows 11:37
